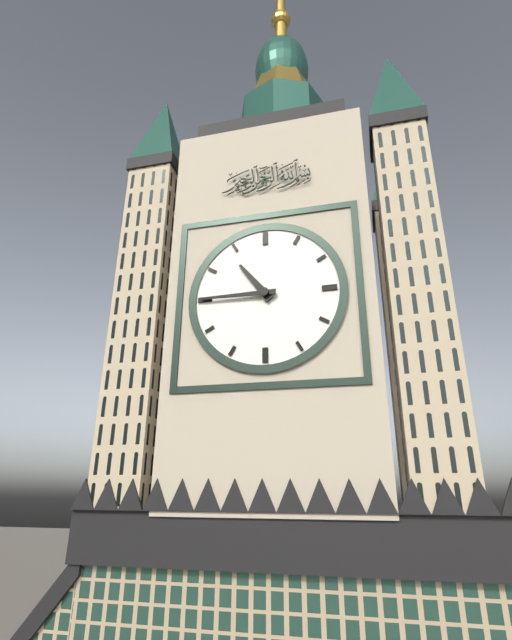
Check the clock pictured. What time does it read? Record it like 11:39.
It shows 10:45
